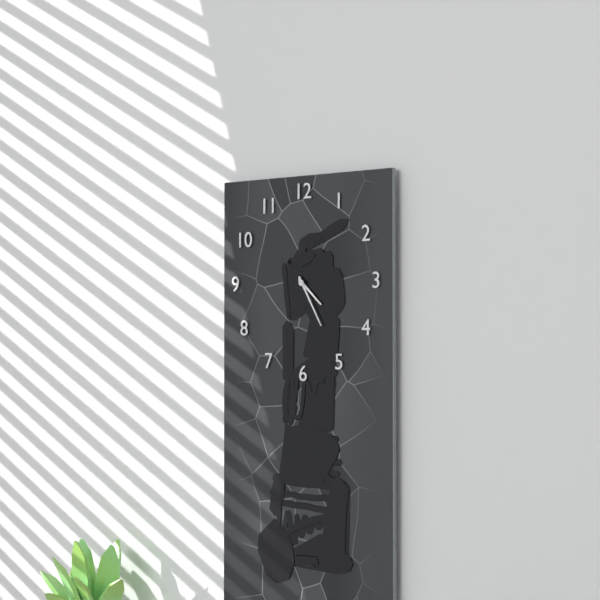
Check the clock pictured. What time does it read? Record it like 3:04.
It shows 4:25
